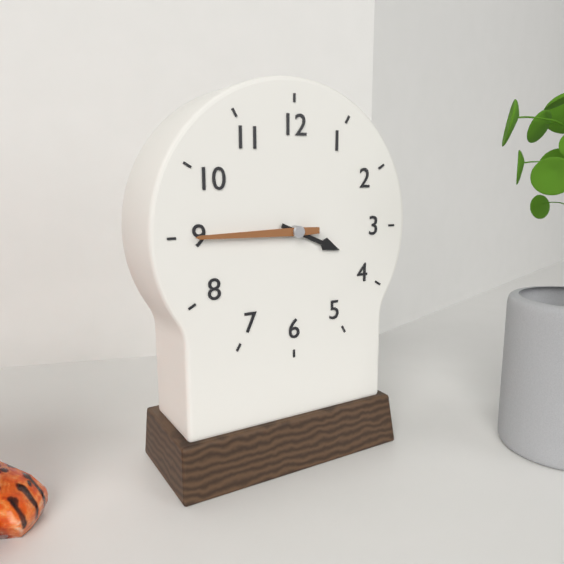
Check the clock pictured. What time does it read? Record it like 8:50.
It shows 3:45
